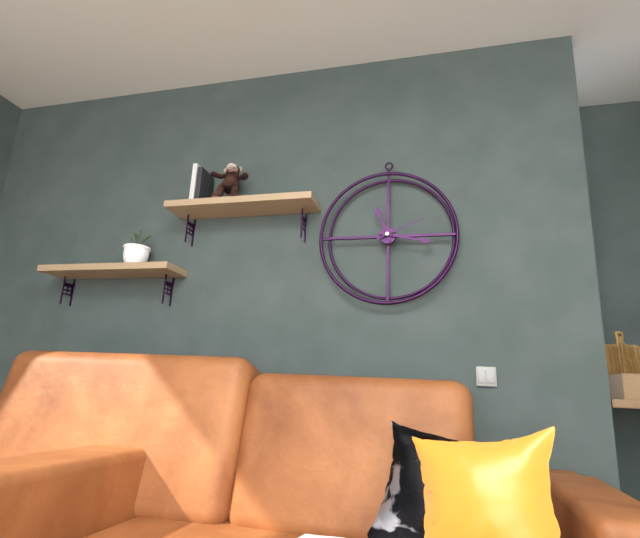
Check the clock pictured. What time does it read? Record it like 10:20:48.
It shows 11:17:11
